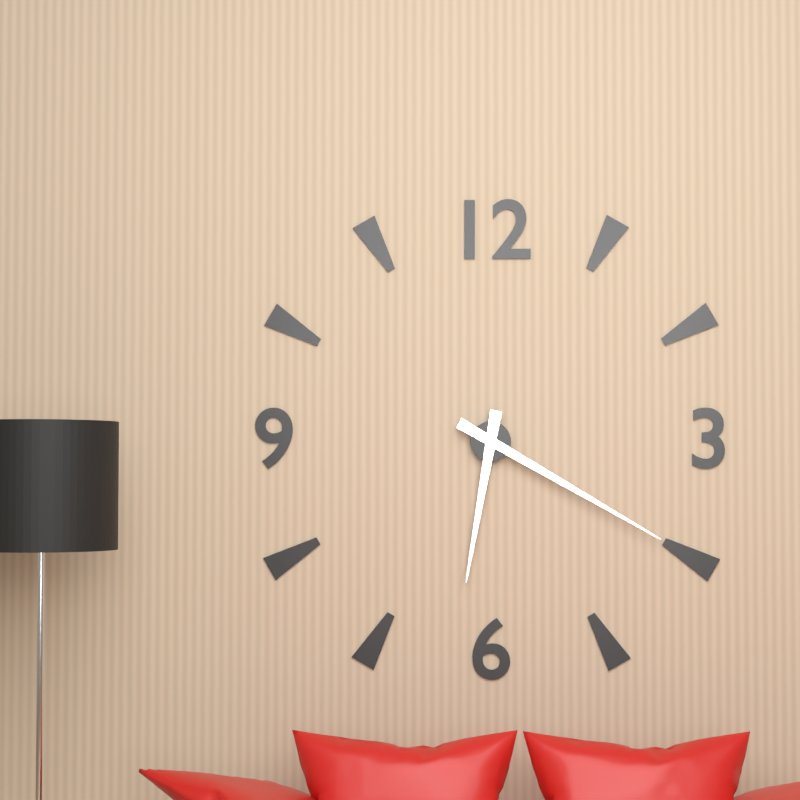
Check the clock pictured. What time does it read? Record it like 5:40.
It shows 6:20
